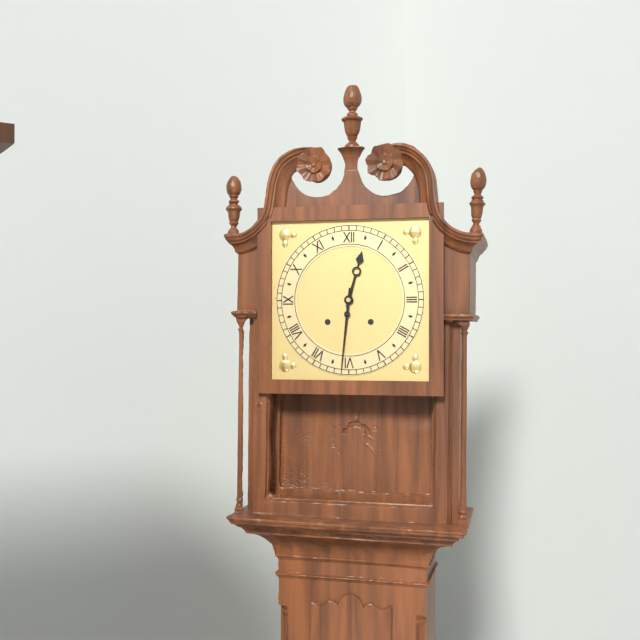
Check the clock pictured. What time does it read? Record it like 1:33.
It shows 12:31
